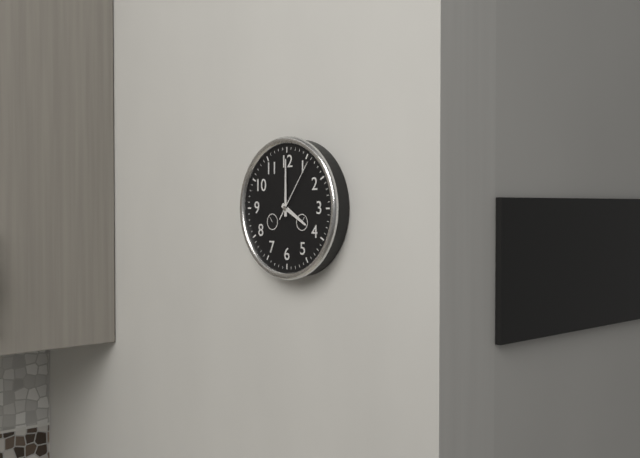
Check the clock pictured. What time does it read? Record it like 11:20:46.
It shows 4:00:06
